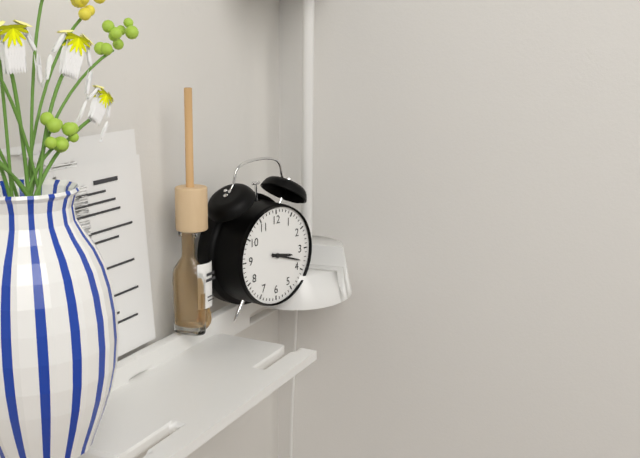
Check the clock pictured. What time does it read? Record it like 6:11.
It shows 3:18
